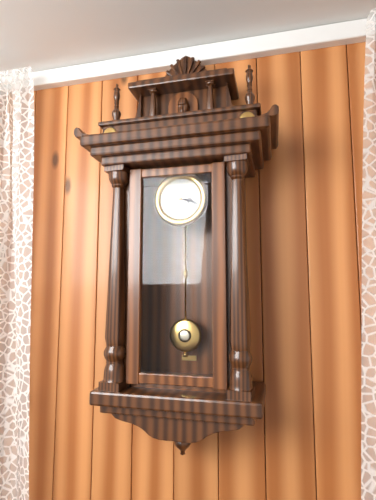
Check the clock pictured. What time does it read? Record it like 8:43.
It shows 3:18
